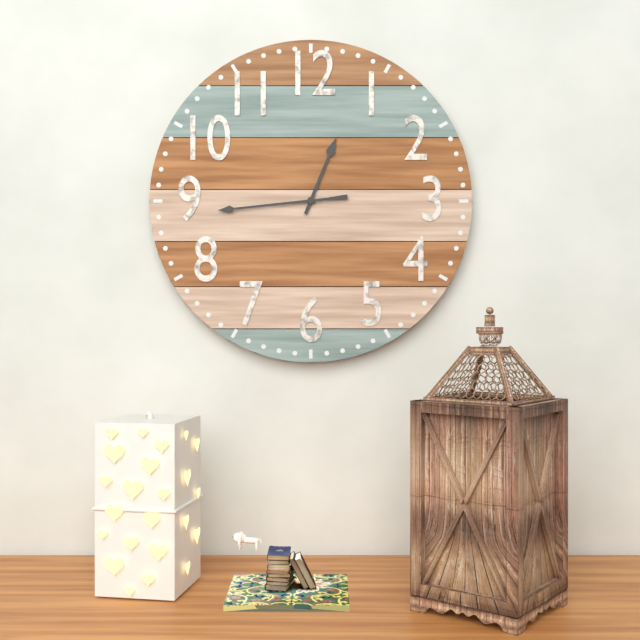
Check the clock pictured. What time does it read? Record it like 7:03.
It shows 12:44
